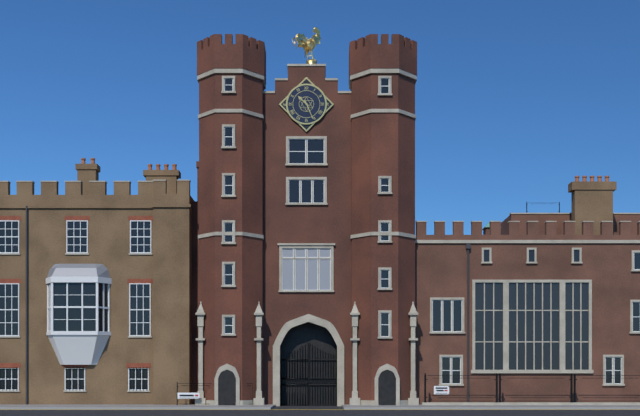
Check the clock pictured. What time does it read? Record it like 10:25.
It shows 10:26
